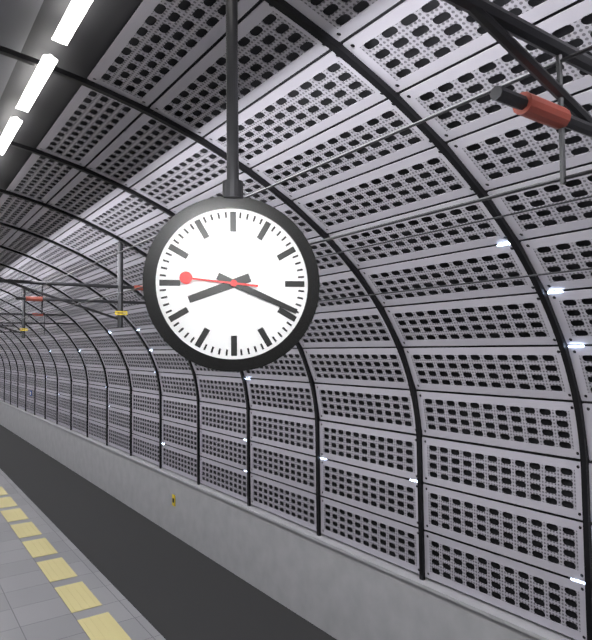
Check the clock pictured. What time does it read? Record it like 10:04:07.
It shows 8:19:46
